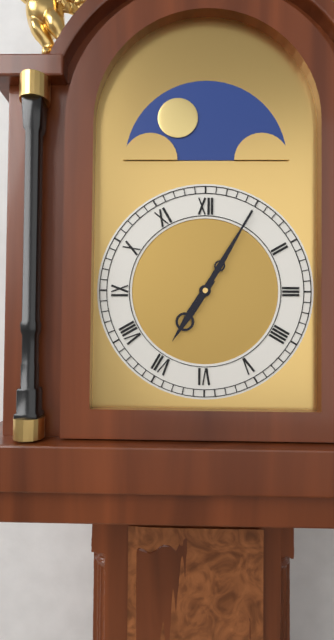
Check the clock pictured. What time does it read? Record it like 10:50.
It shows 7:05
